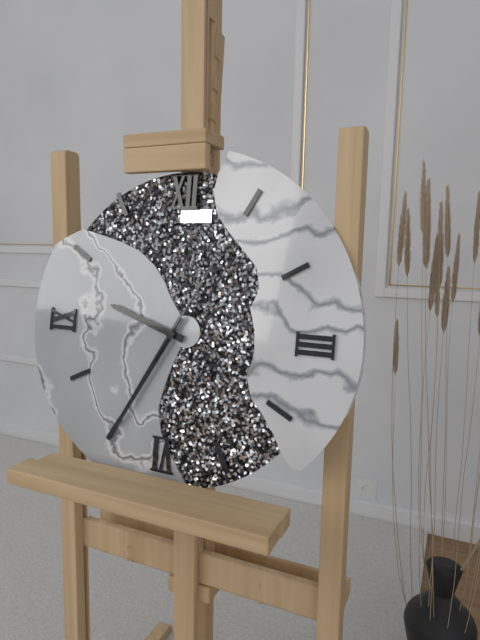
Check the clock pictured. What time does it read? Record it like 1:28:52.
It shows 9:35:05
